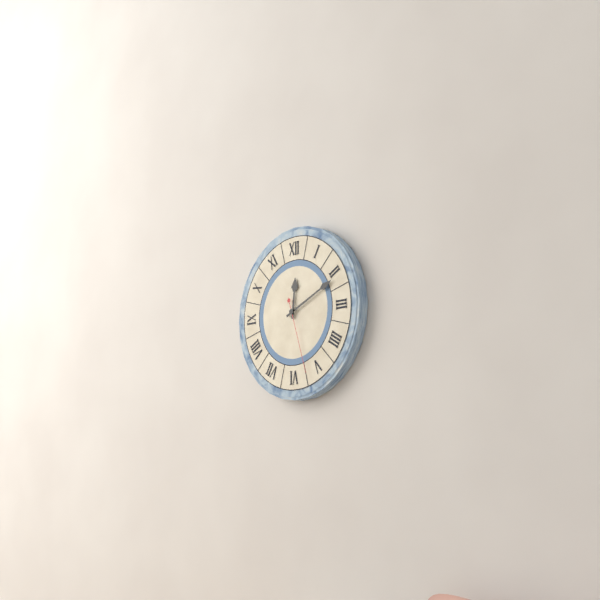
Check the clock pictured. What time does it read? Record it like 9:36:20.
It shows 12:11:27
